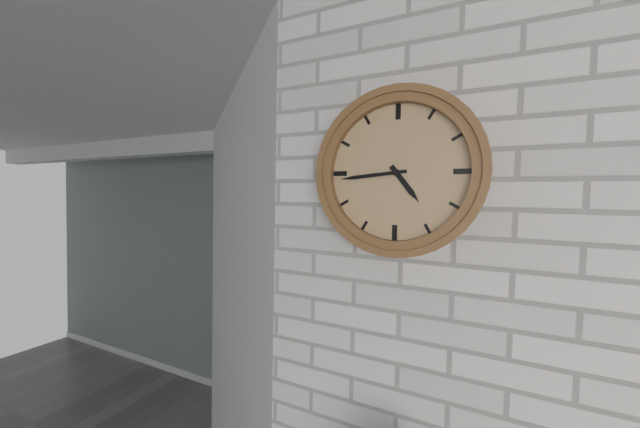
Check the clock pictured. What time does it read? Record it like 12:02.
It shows 4:44
